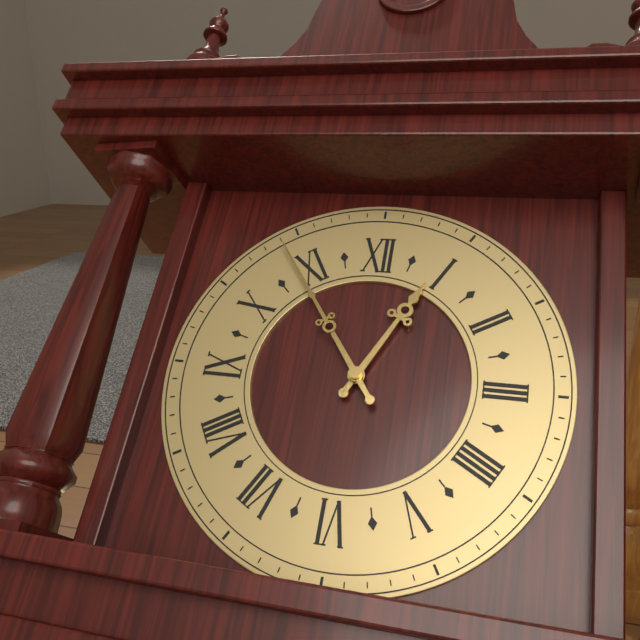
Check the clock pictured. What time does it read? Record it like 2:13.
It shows 12:54
